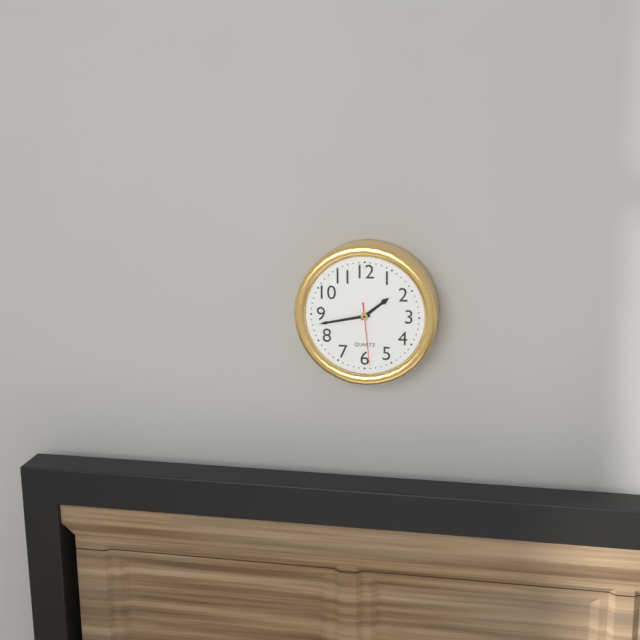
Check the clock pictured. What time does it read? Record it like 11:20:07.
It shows 1:43:29
